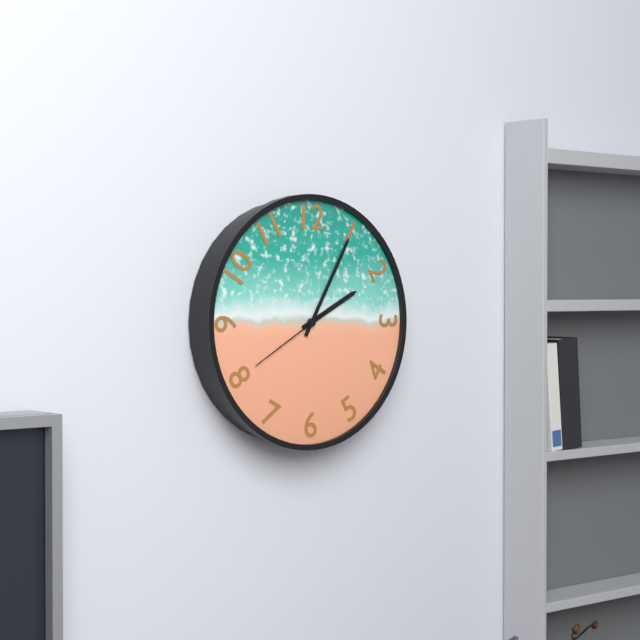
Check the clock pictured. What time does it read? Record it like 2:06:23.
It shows 2:05:40
